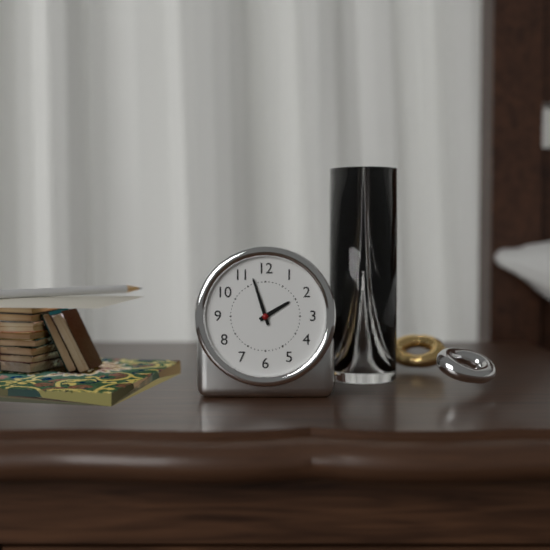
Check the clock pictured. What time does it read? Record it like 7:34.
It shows 1:57
